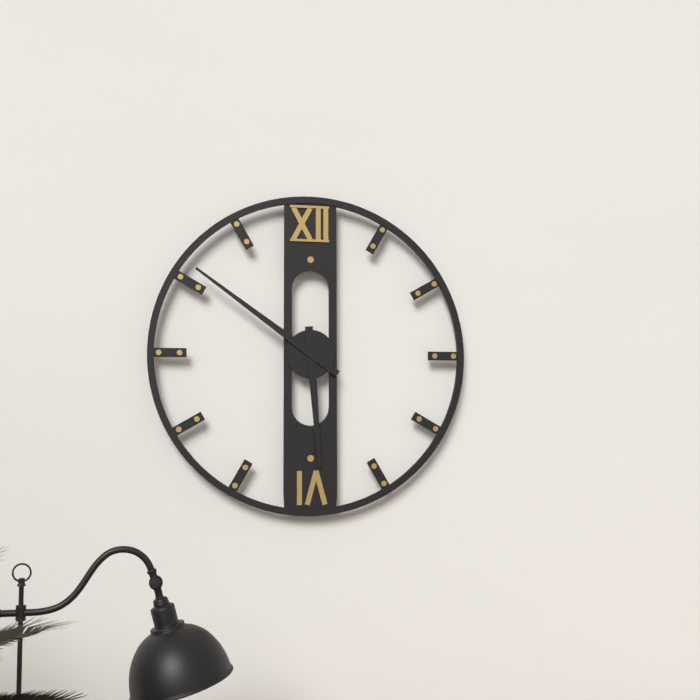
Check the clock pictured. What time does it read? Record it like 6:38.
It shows 5:51
